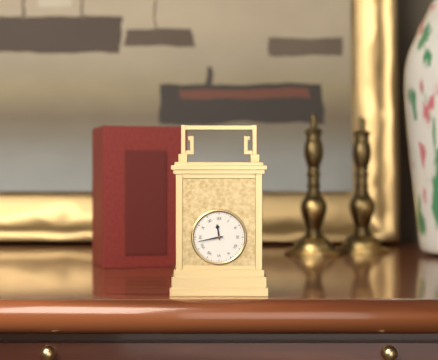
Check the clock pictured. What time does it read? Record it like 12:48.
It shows 11:43
